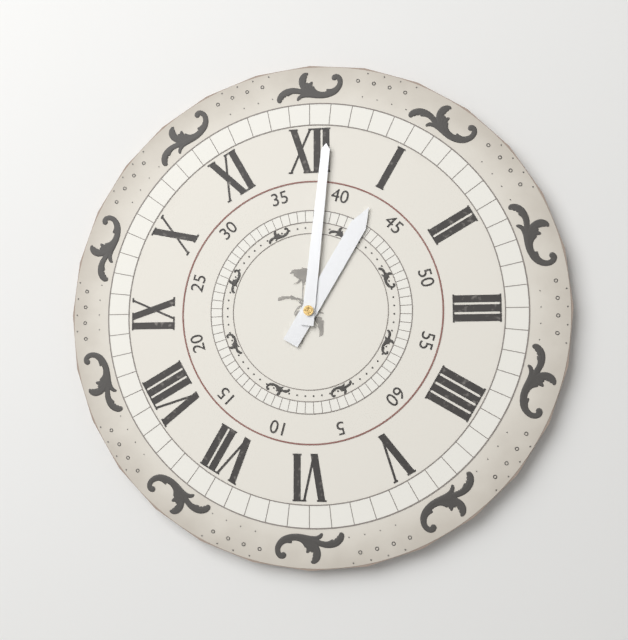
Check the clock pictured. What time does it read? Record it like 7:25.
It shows 1:01
